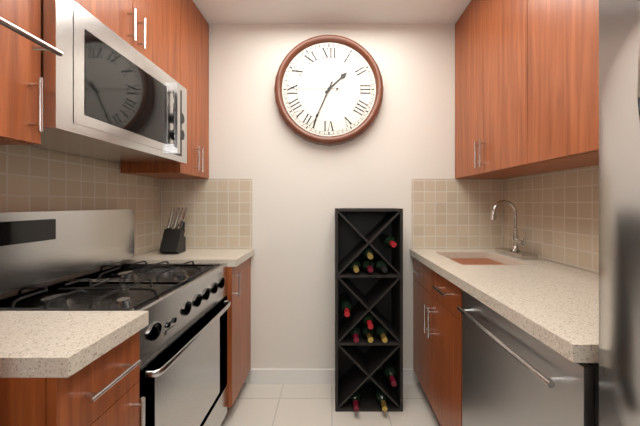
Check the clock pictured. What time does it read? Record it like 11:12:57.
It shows 1:34:45
